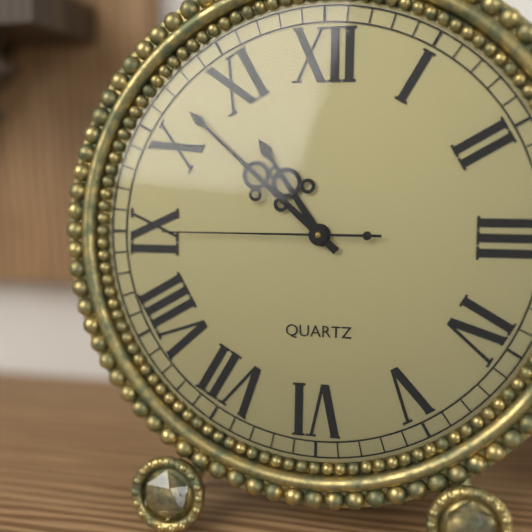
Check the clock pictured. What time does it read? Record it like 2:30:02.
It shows 10:52:45
